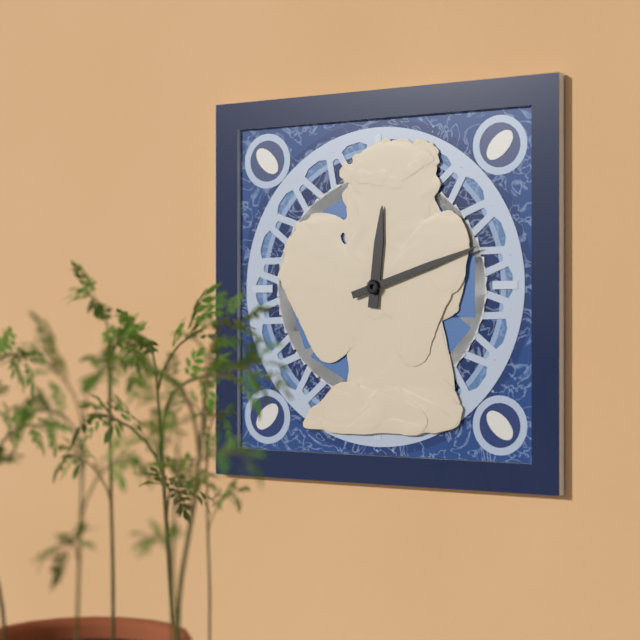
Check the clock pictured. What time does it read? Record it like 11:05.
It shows 12:12
